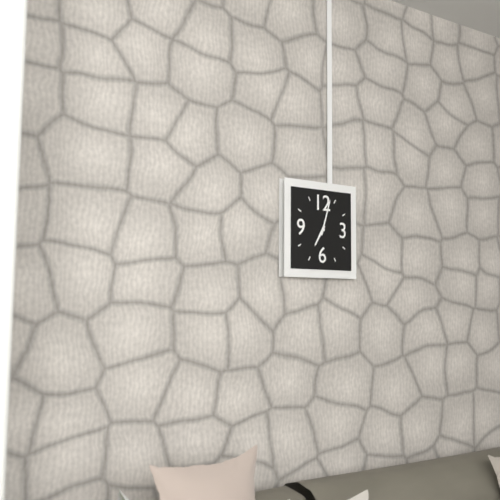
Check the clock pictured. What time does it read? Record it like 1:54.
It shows 7:03
